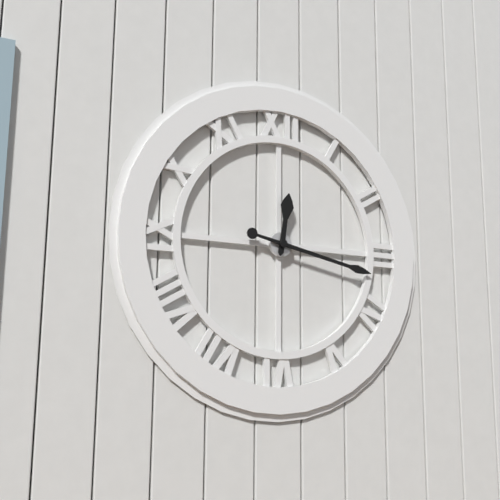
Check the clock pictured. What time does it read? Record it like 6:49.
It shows 12:17
